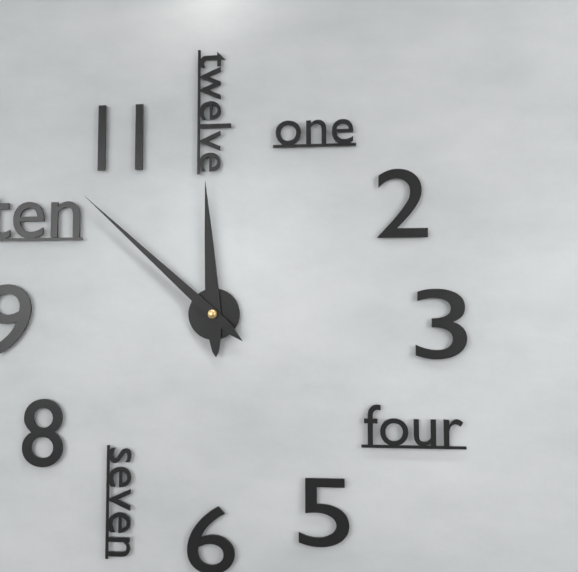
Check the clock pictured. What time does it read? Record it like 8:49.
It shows 11:52
